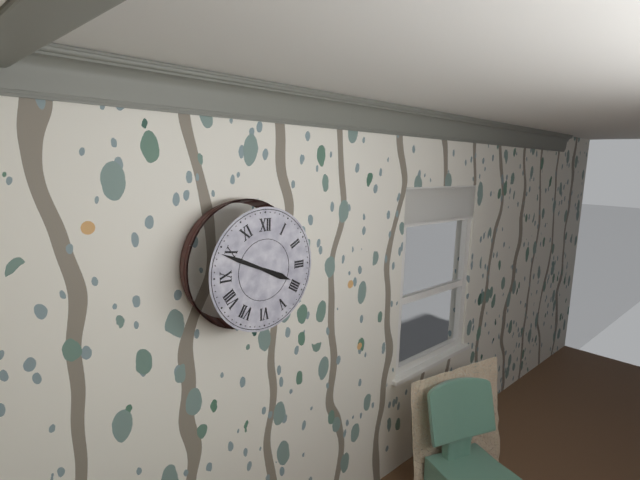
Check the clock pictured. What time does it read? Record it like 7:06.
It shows 3:49
